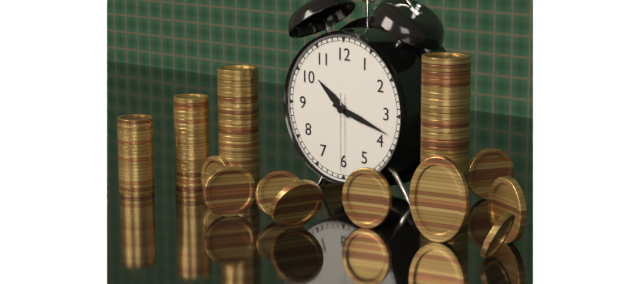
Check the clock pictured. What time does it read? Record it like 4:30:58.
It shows 10:18:30
